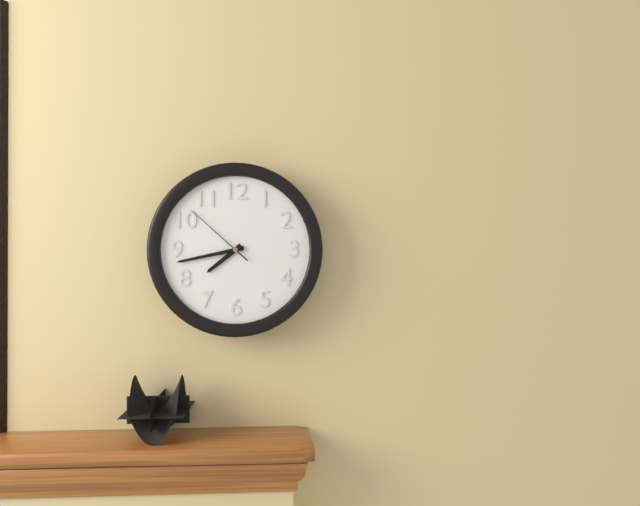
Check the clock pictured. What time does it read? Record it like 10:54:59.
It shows 7:43:52
